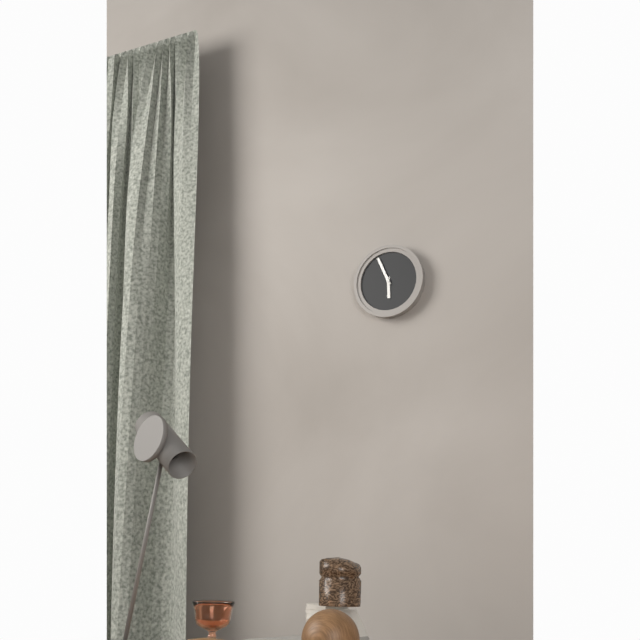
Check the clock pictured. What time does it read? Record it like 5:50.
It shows 5:56
